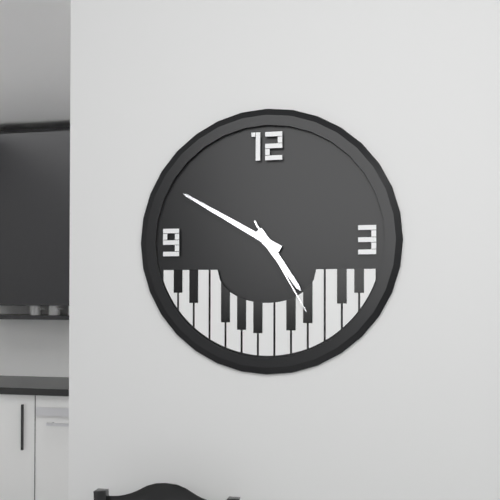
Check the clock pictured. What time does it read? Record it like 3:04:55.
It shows 4:50:25
